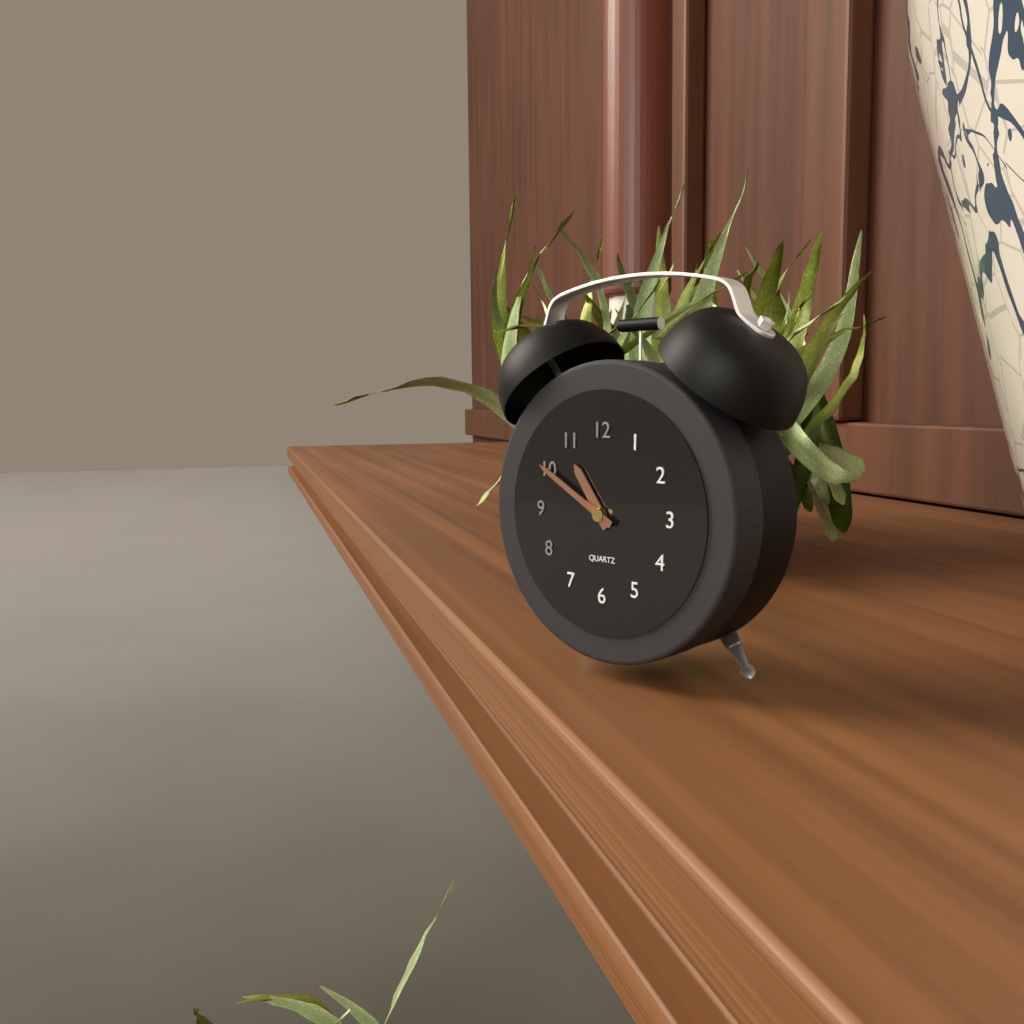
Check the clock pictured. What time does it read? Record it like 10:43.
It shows 10:50
